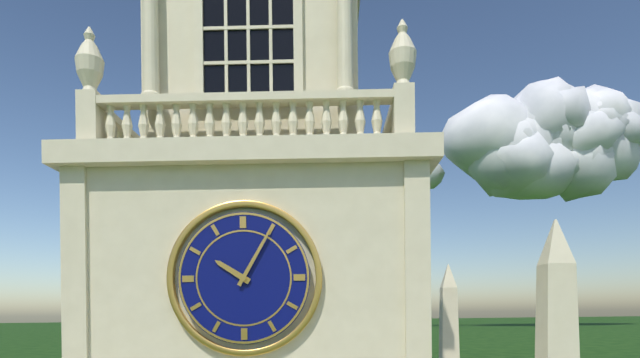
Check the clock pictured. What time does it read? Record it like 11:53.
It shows 10:05
